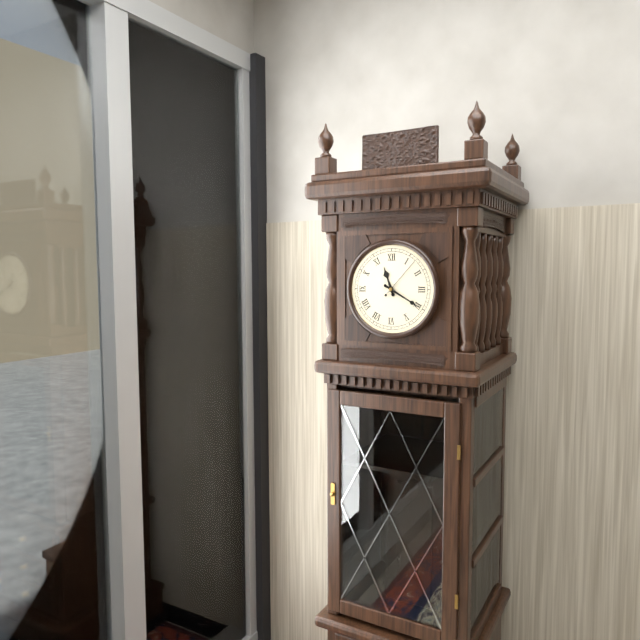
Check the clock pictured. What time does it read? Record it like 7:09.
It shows 11:20
